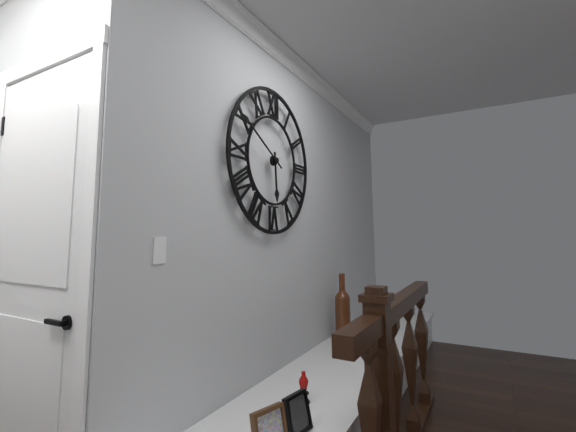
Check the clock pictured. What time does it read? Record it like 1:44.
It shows 5:50
